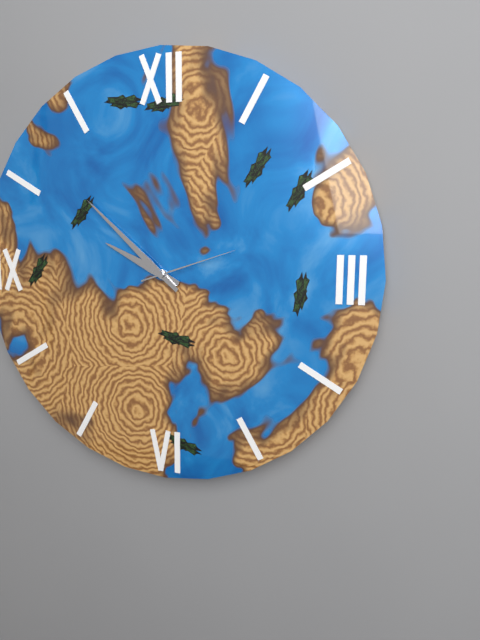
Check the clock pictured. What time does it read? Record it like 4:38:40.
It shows 9:52:12
